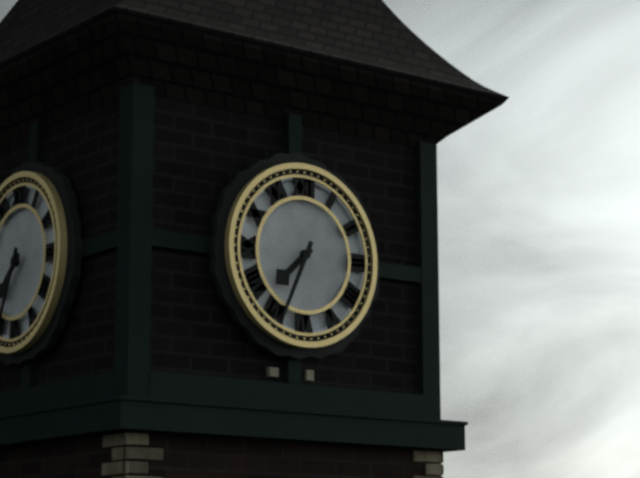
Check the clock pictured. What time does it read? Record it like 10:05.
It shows 7:34
